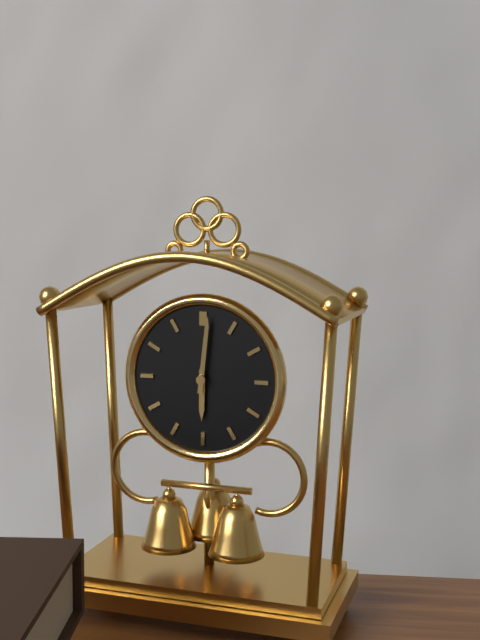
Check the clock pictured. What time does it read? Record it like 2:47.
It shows 6:01
